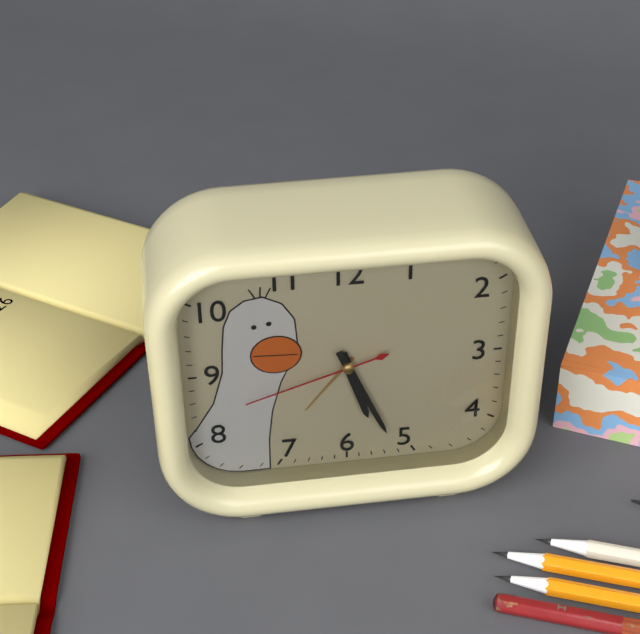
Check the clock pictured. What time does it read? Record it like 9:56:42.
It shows 5:26:42
